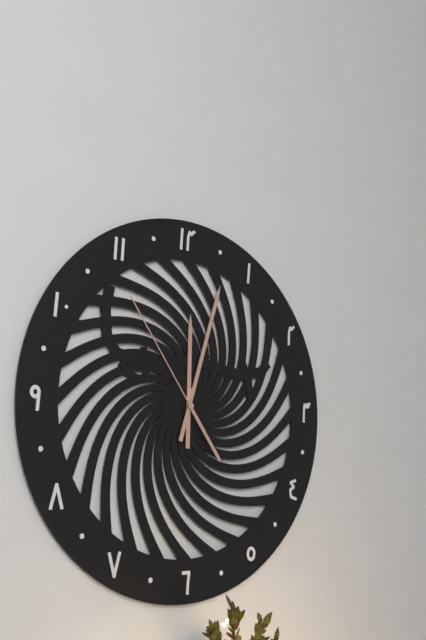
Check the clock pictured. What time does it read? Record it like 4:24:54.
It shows 12:03:54
